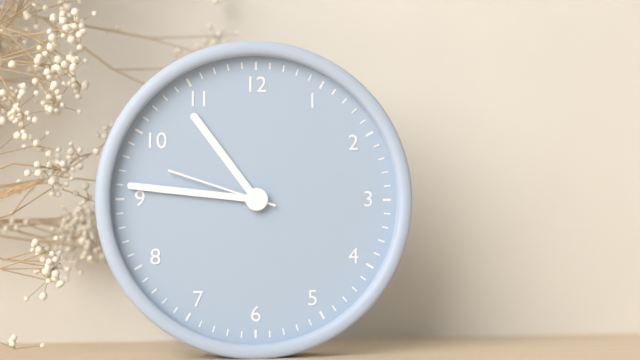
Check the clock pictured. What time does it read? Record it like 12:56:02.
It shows 10:46:48
